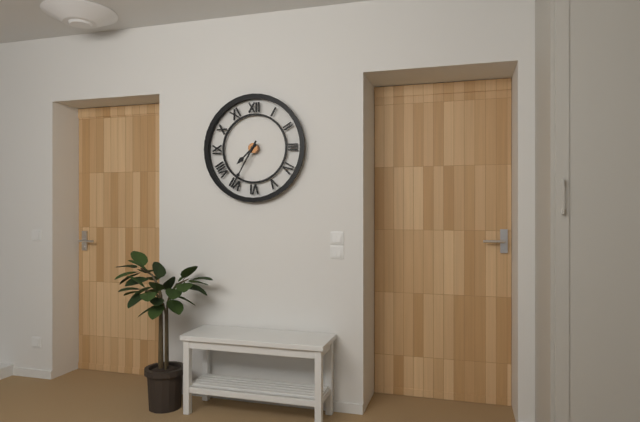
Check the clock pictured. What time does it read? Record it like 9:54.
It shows 7:35
